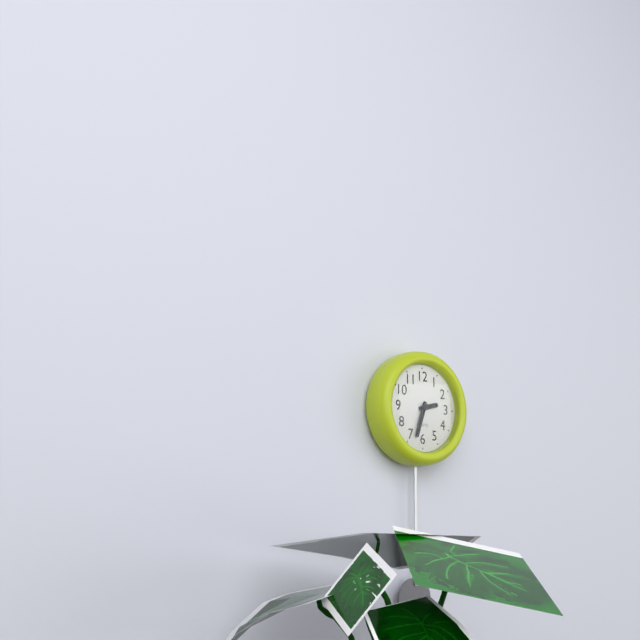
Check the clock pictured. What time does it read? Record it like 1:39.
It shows 2:33
